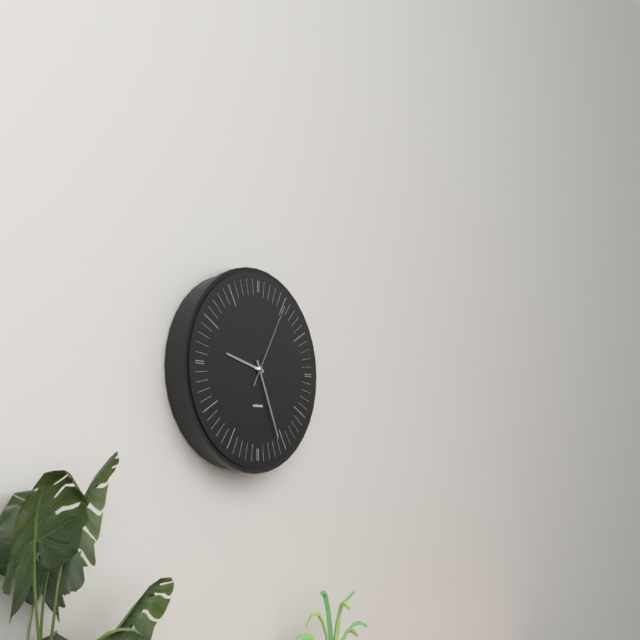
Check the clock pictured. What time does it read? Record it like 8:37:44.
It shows 9:26:05
